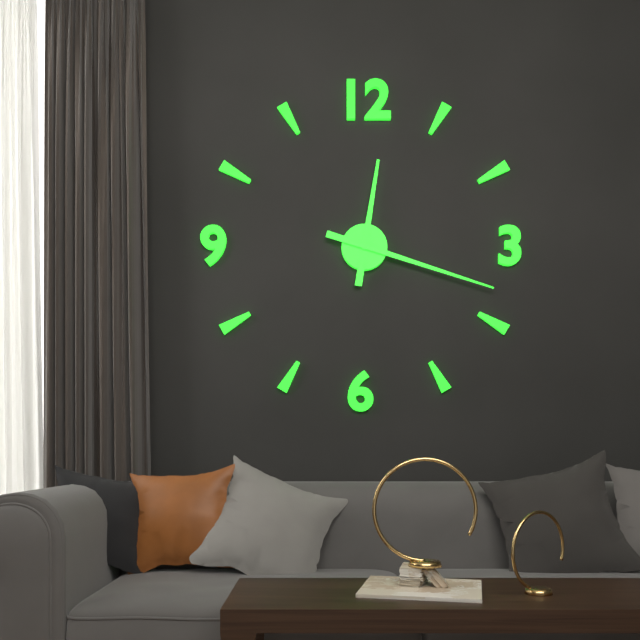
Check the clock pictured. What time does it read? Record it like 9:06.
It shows 12:18
